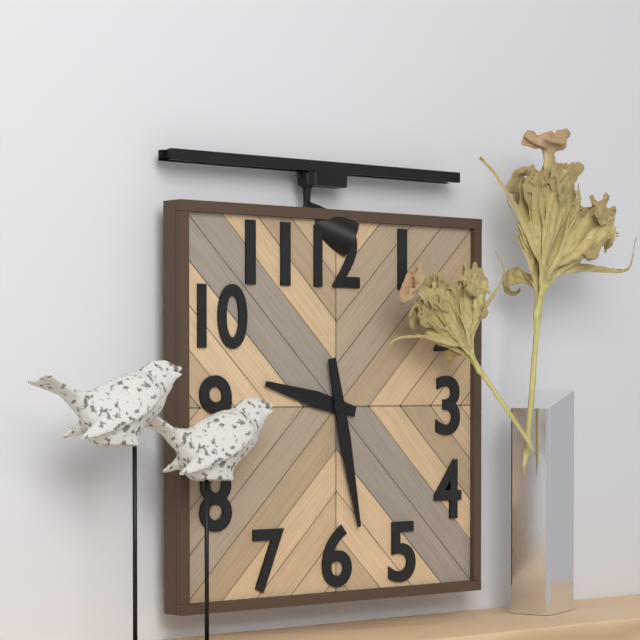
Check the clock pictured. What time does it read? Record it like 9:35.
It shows 9:28
